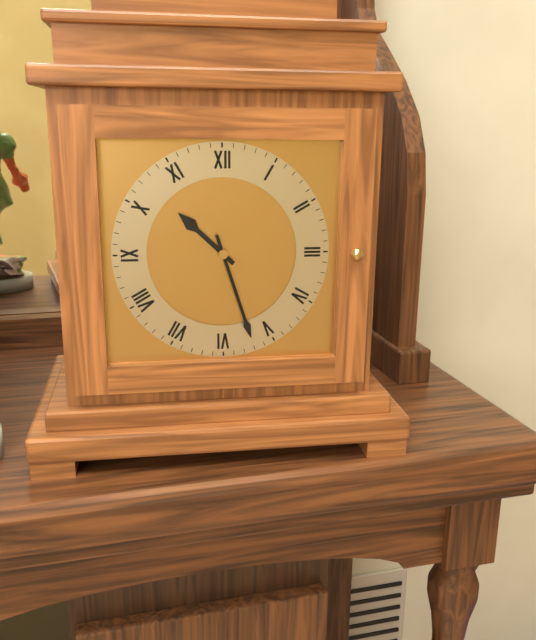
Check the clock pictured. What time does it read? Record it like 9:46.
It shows 10:27
